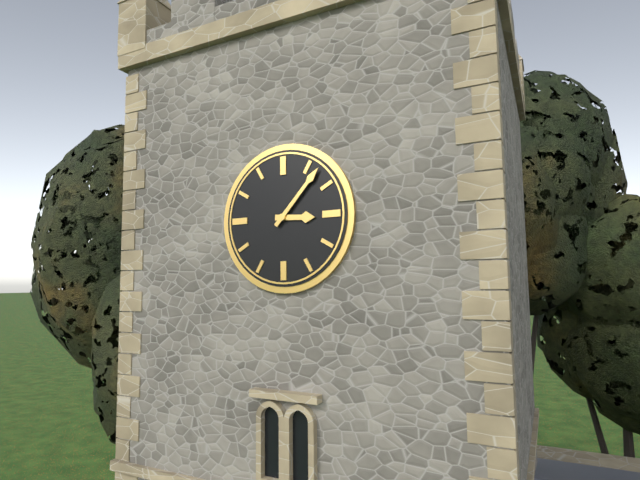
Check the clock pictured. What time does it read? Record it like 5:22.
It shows 3:07
